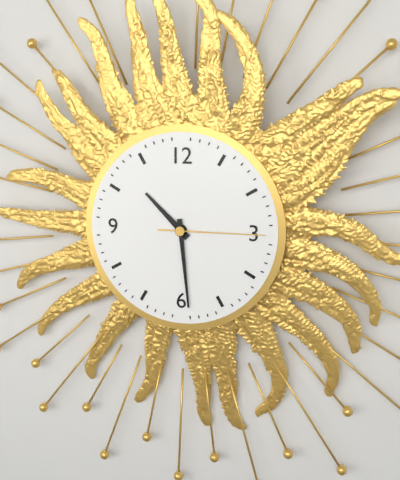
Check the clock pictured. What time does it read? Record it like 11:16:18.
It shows 10:29:15
